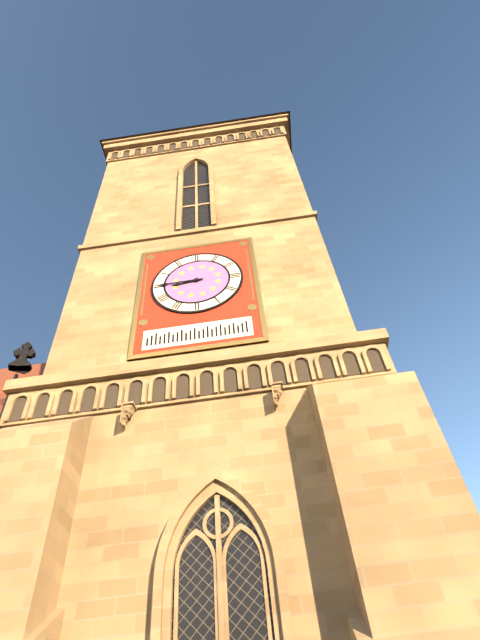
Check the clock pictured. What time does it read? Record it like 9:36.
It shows 8:45
